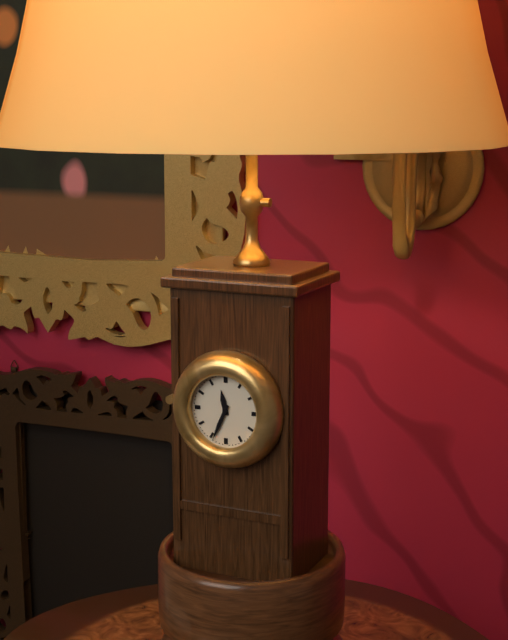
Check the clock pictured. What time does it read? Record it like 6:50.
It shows 11:34
